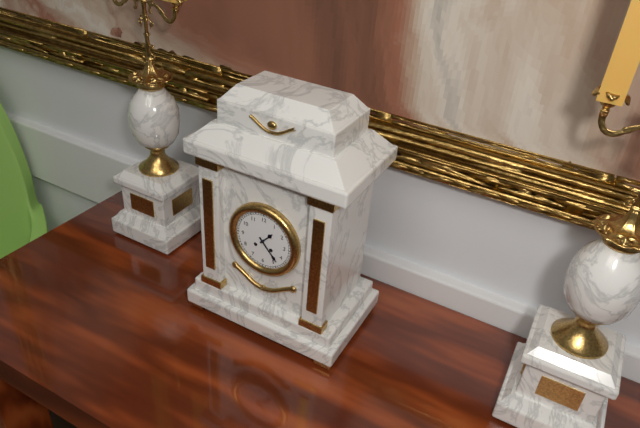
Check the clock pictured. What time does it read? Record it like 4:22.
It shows 1:23
